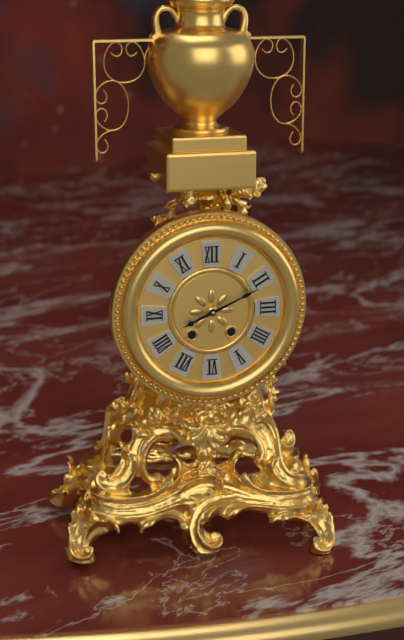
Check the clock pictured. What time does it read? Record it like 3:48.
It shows 8:11
